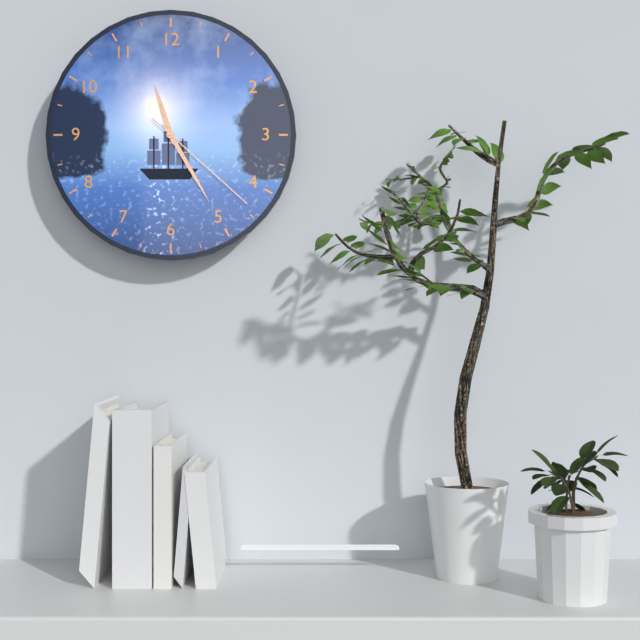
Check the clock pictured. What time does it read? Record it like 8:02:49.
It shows 11:25:22
